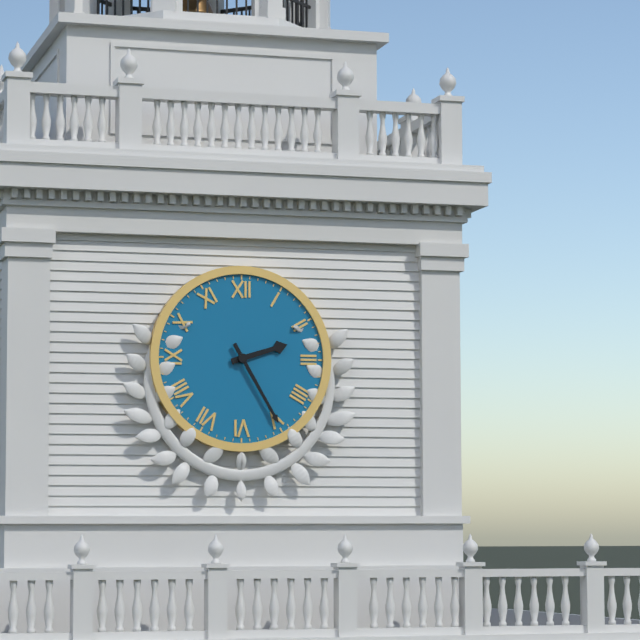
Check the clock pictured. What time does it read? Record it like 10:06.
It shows 2:25
